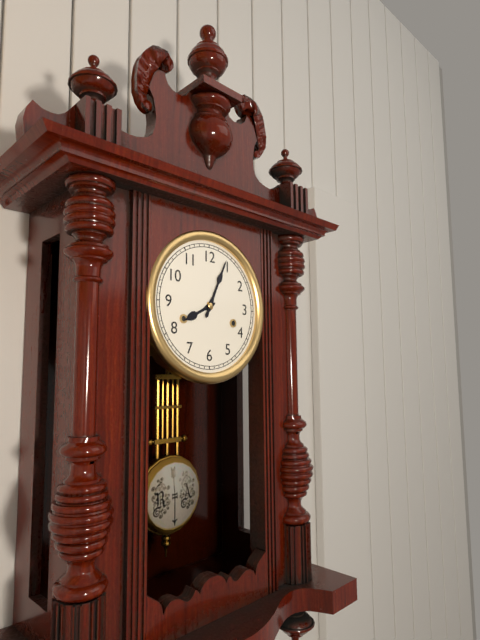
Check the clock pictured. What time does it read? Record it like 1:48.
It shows 8:04
